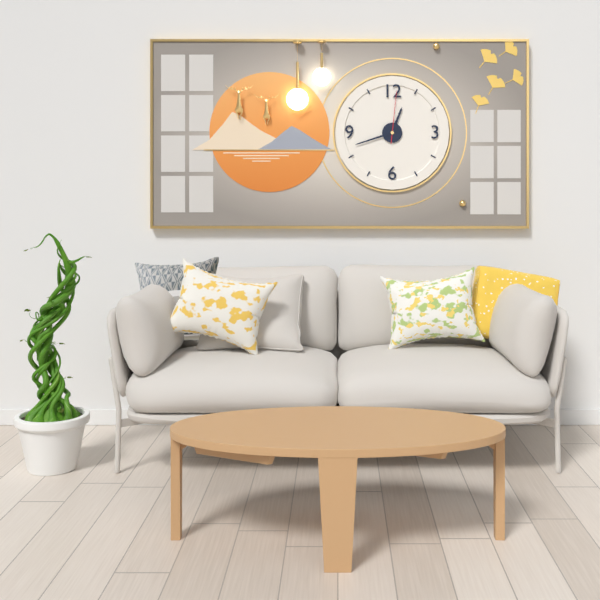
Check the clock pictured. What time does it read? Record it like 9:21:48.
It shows 12:42:01
